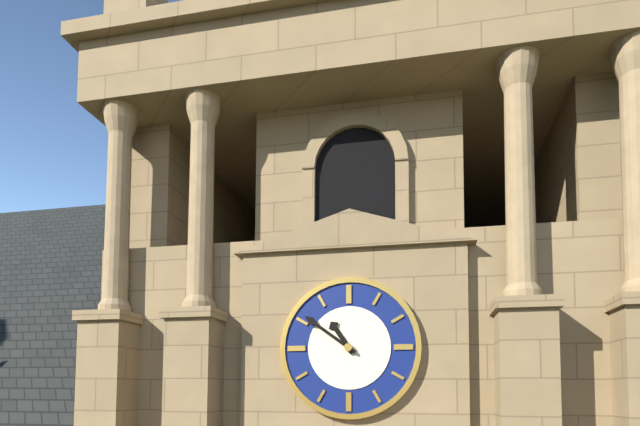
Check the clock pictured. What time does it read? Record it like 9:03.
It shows 10:51
